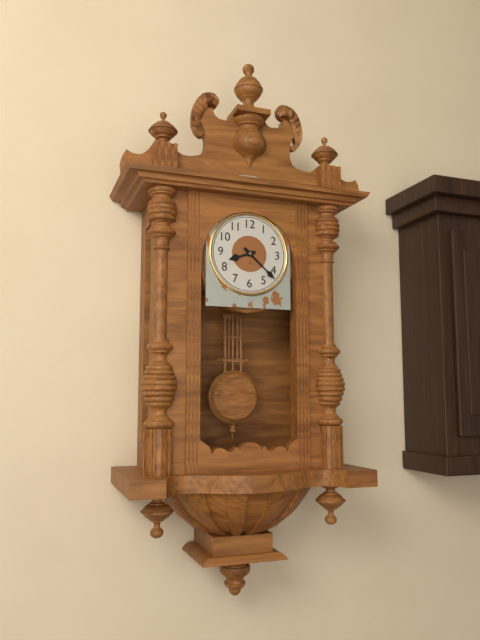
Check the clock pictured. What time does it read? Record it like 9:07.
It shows 8:22
